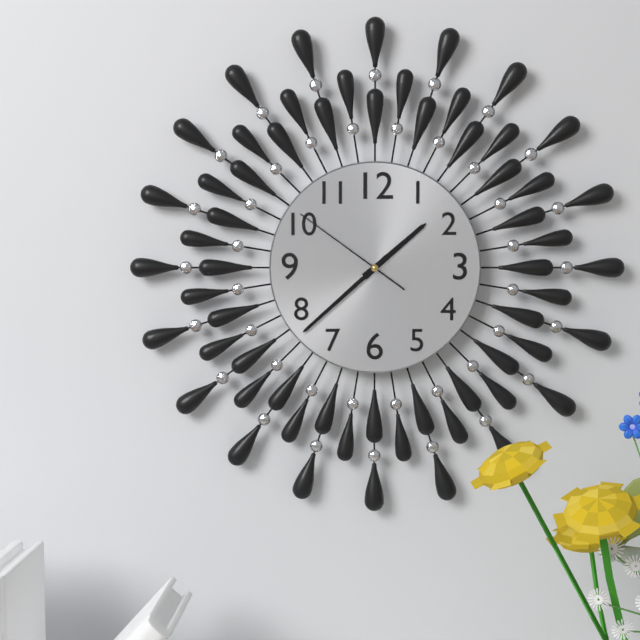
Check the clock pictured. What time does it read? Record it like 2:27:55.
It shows 1:38:51
